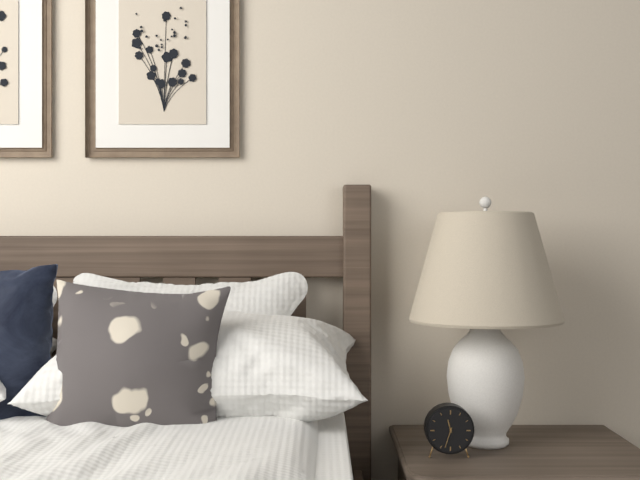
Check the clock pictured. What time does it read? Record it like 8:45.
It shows 11:33
